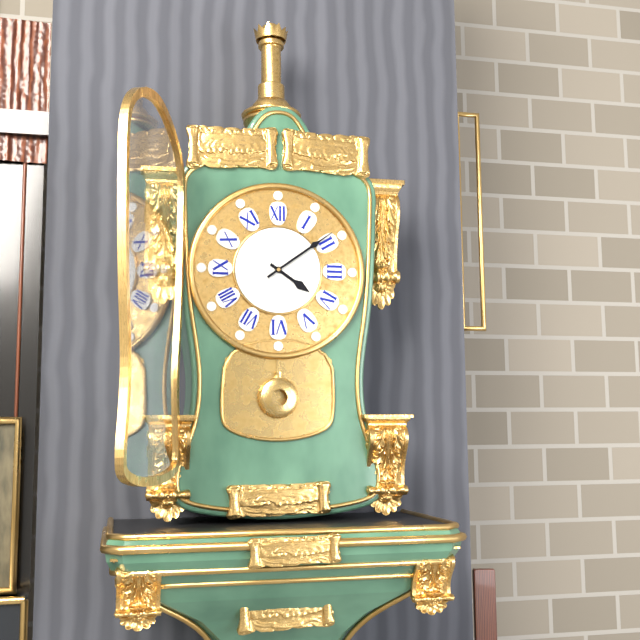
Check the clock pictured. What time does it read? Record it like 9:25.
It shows 4:09
